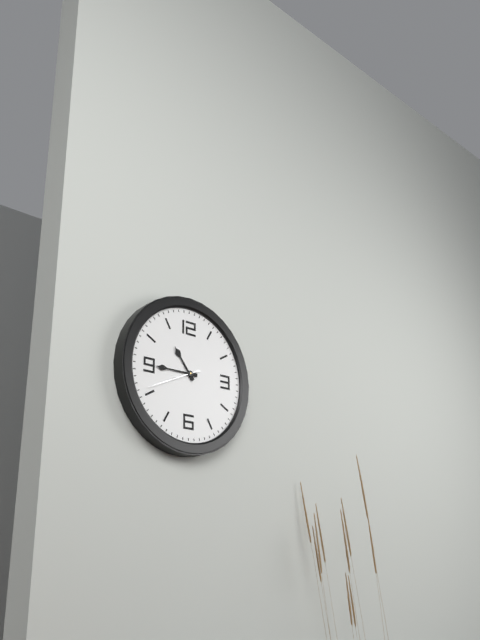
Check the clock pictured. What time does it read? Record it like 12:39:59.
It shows 10:45:41
